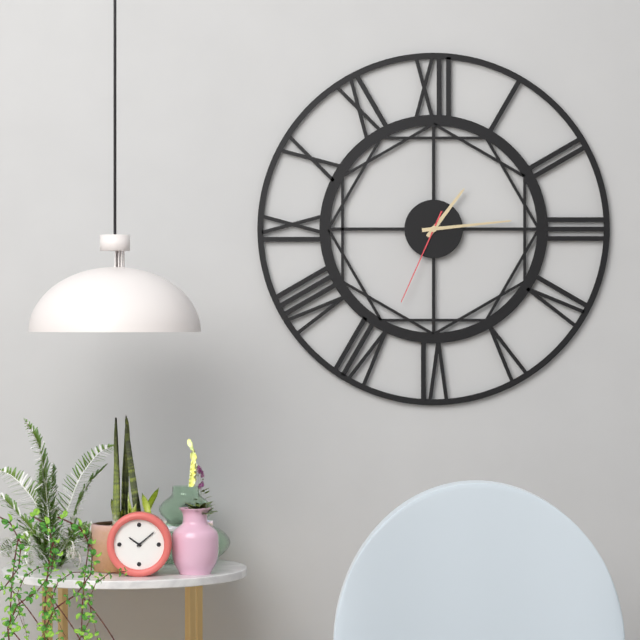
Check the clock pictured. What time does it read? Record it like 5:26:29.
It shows 1:14:34
